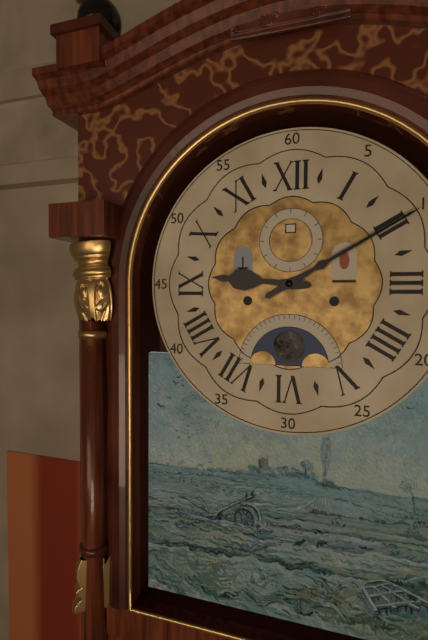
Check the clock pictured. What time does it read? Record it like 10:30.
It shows 9:10
